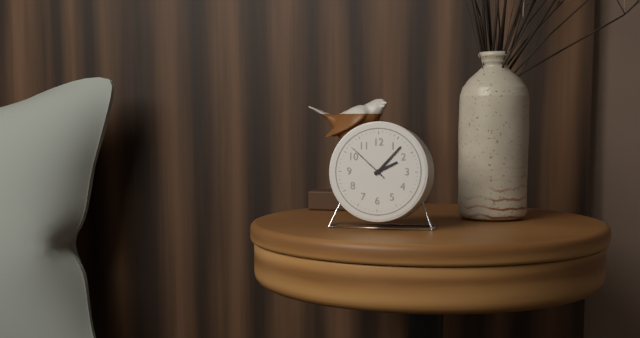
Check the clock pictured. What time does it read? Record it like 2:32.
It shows 2:07
